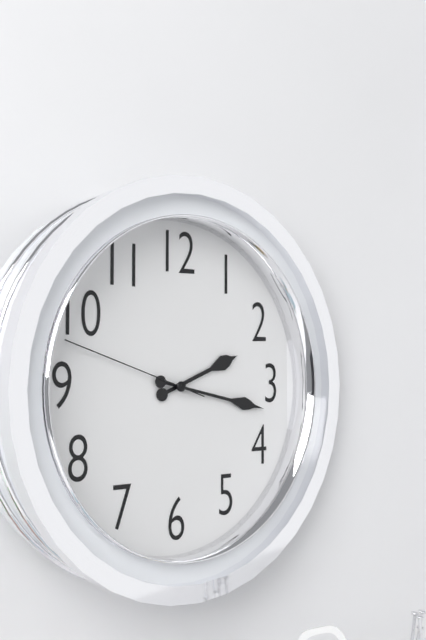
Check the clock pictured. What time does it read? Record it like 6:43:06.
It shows 2:17:48
